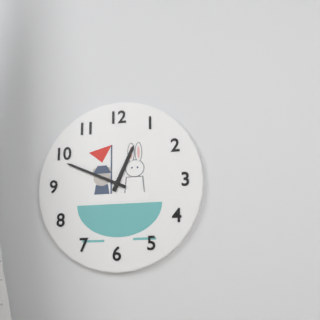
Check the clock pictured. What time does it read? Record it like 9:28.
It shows 12:49
